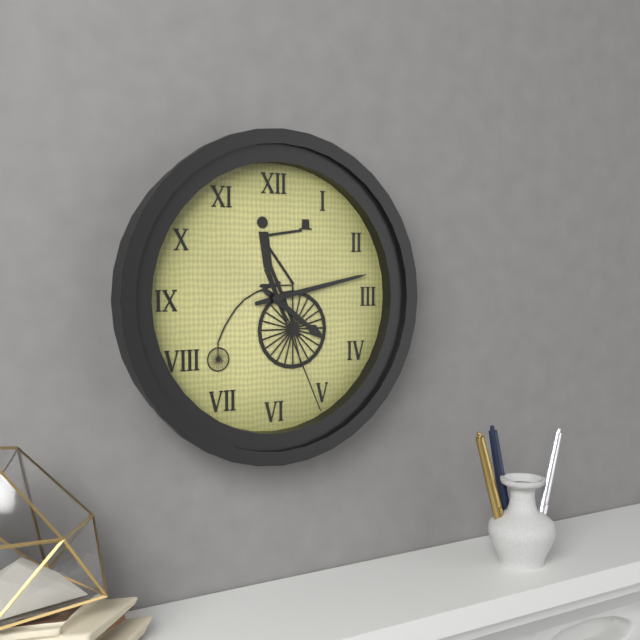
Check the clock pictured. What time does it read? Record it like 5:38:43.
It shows 4:13:26
